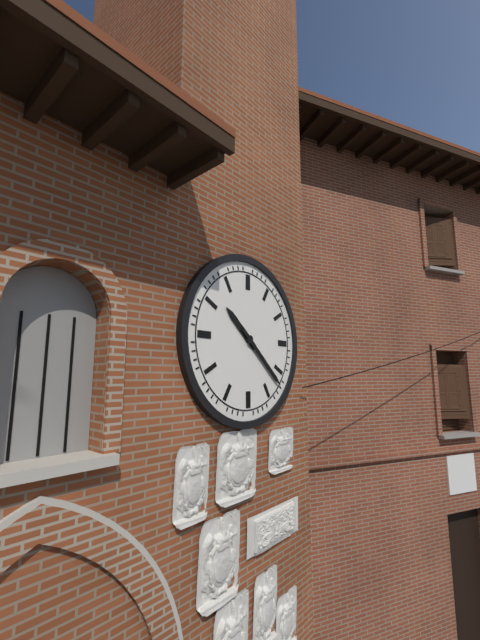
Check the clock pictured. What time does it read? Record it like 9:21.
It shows 10:22
